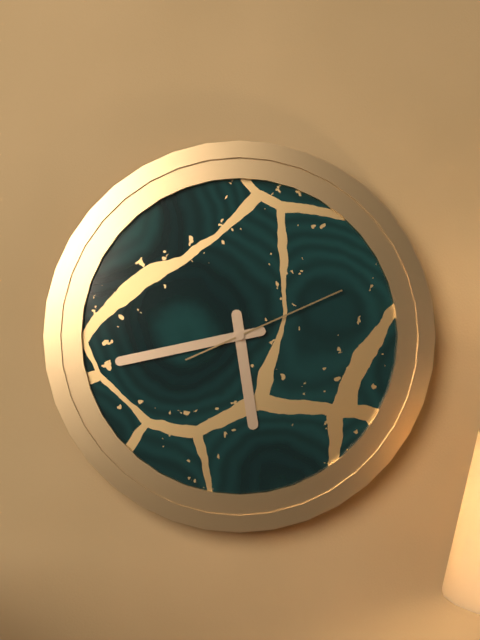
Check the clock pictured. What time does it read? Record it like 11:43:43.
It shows 5:43:11
